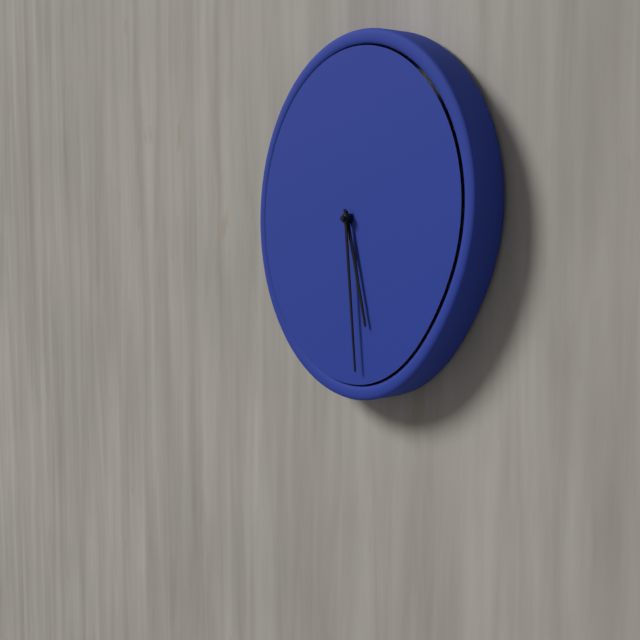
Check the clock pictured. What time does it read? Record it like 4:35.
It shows 5:29
